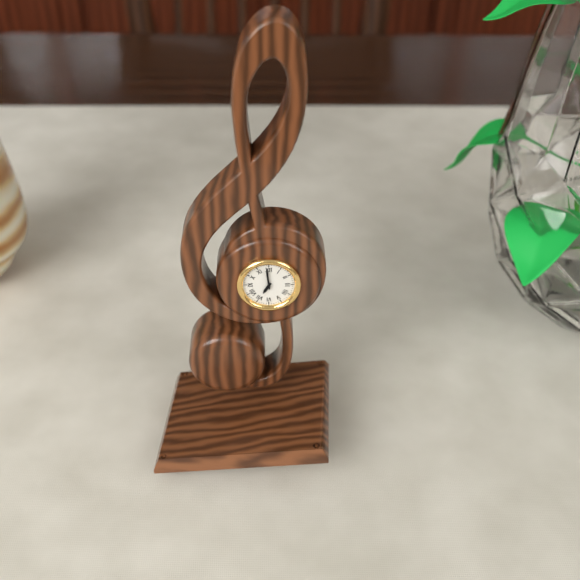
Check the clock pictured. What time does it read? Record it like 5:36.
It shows 6:59
